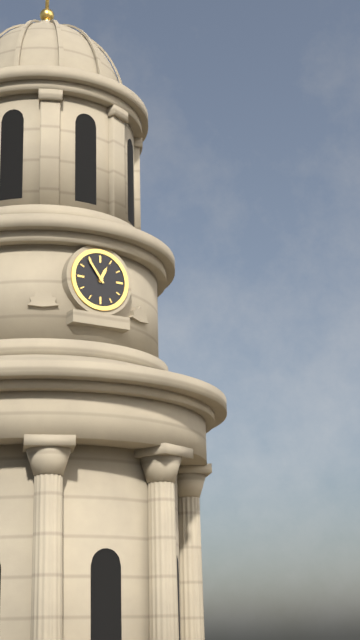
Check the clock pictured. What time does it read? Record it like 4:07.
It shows 12:54
